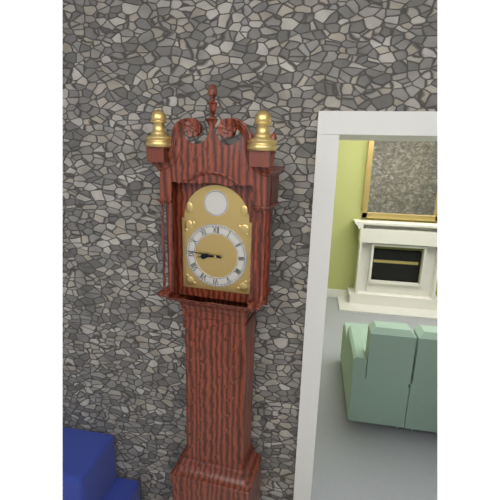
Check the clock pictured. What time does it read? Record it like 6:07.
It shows 8:46
